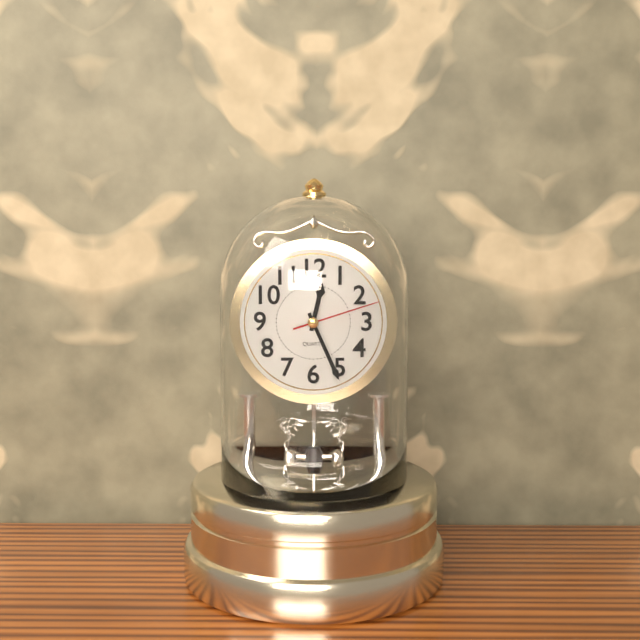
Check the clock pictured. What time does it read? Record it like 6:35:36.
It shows 12:26:12
